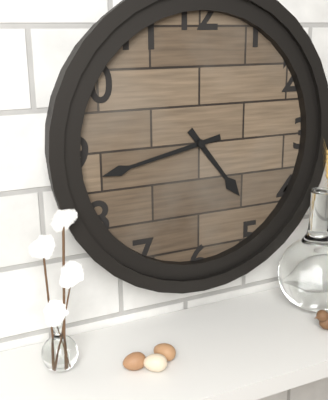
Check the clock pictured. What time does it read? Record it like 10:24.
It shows 4:43
